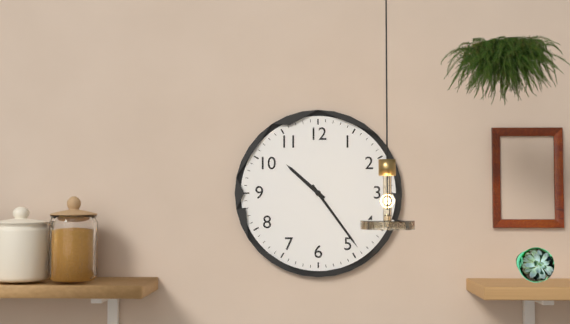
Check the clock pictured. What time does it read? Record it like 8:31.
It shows 10:24
